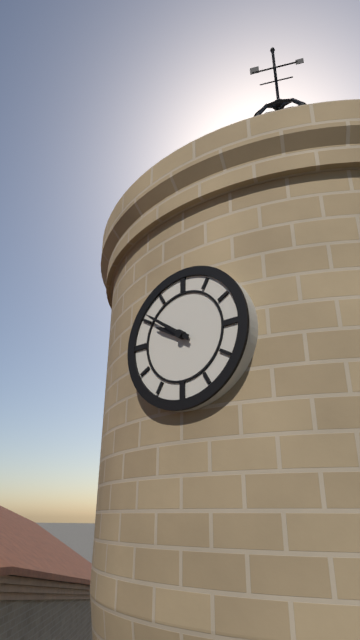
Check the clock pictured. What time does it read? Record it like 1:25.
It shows 9:51
